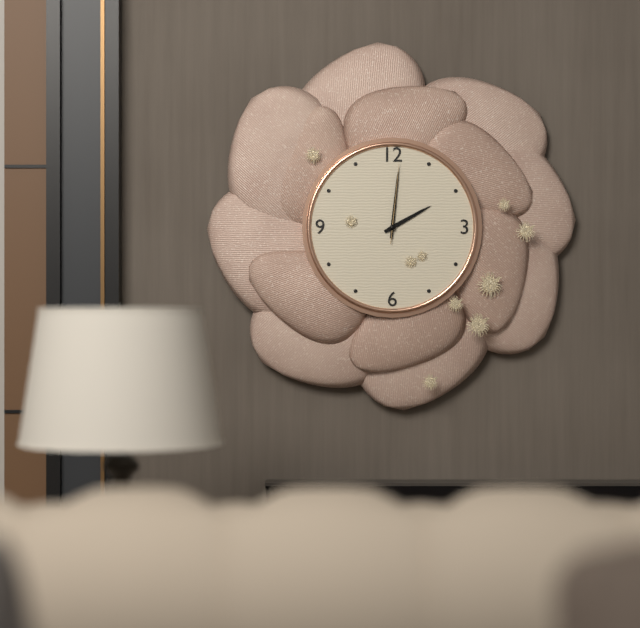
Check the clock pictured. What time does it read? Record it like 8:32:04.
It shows 2:01:01
